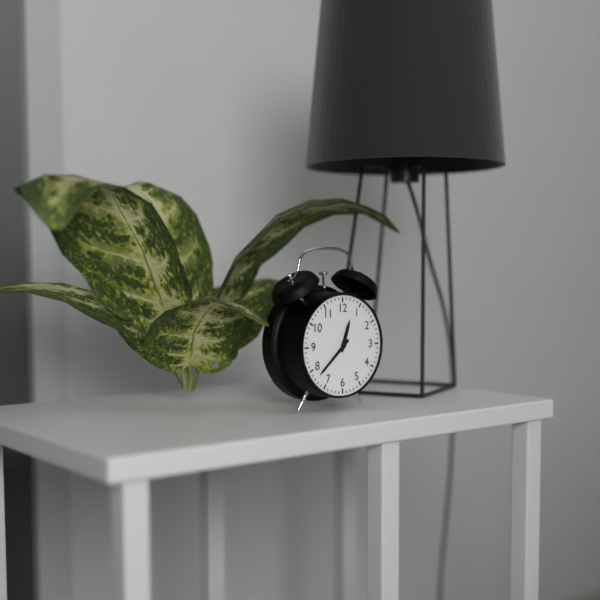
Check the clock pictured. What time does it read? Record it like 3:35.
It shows 12:38
